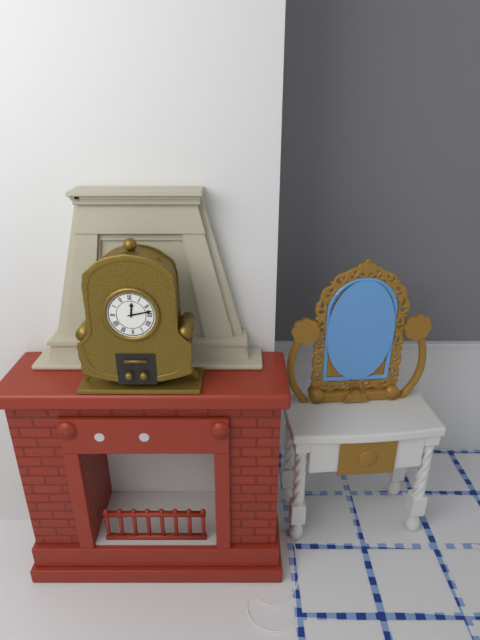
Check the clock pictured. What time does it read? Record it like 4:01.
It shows 12:13
